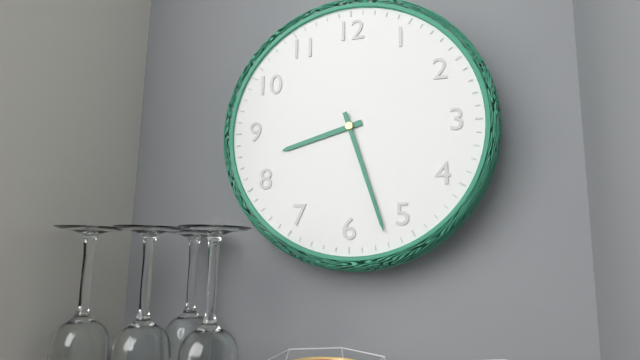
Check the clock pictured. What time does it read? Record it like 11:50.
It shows 8:27
